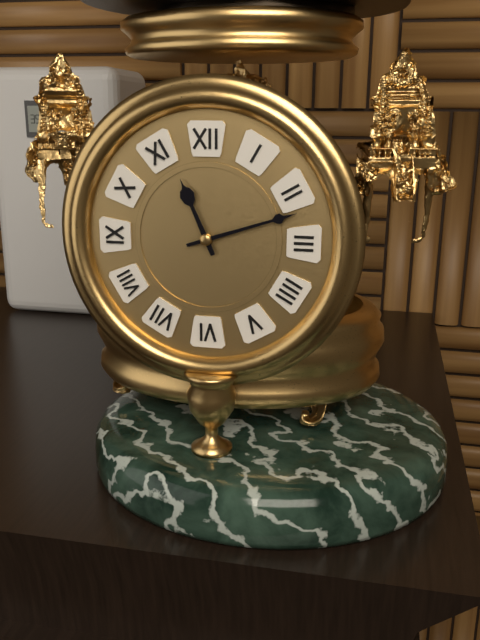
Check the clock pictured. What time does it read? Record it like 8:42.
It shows 11:12
